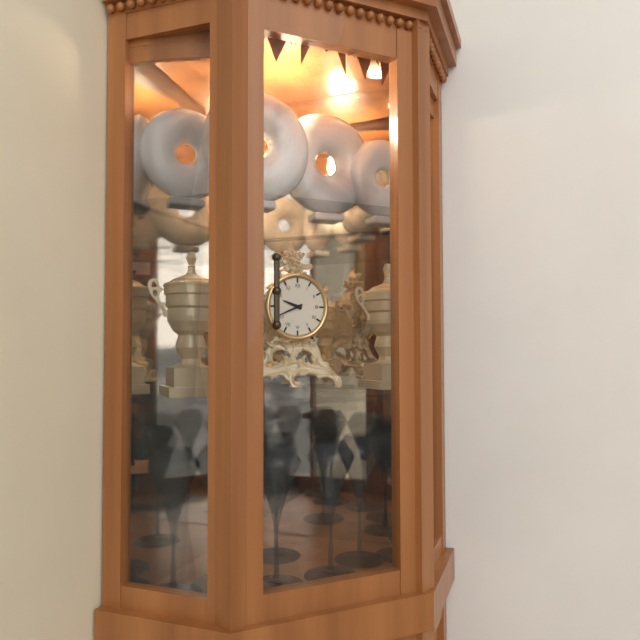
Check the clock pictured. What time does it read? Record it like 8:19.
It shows 9:41
